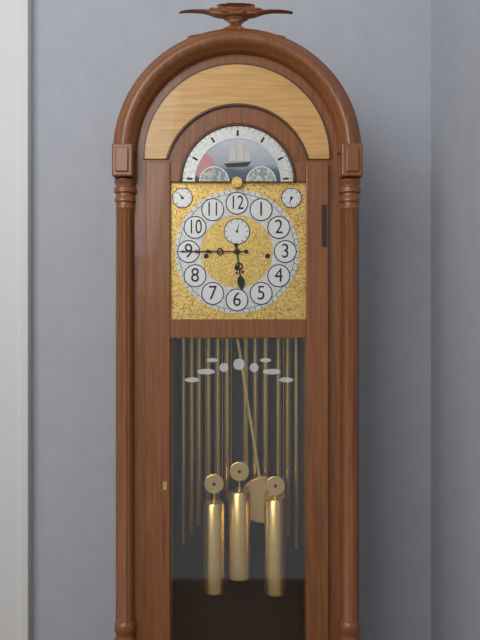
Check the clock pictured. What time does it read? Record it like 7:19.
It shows 5:45
